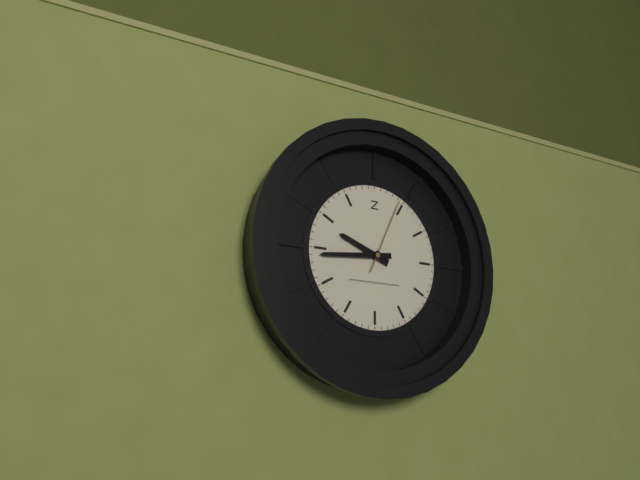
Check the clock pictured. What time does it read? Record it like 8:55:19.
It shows 9:44:04
